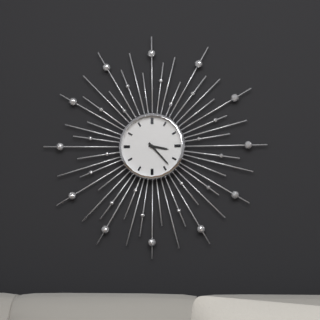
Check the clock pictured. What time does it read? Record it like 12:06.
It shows 3:23
